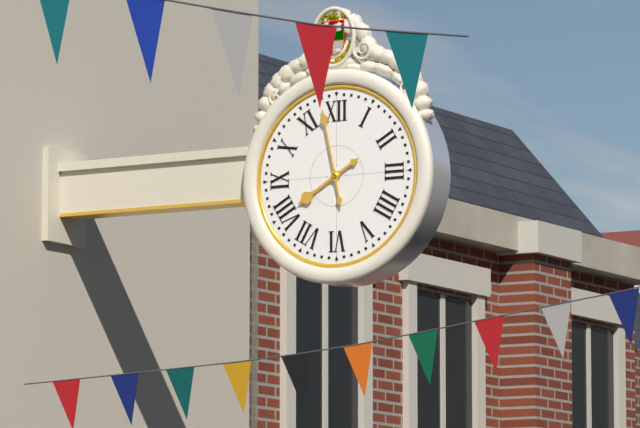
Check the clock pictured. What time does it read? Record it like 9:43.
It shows 7:58
